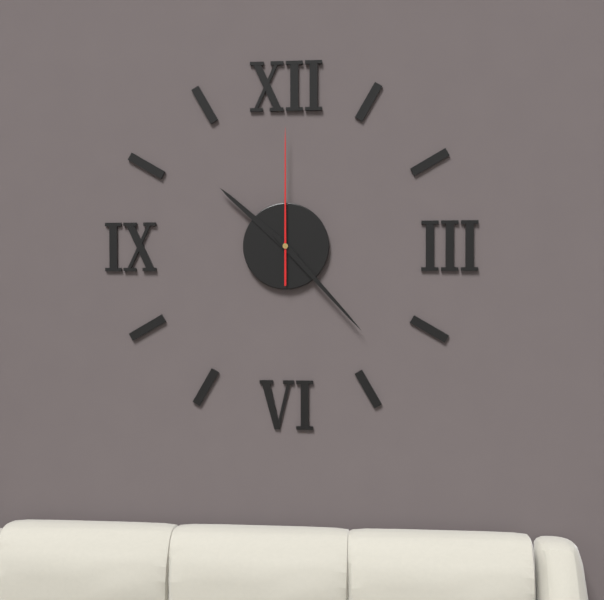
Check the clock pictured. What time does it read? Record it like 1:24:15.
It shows 10:23:00
